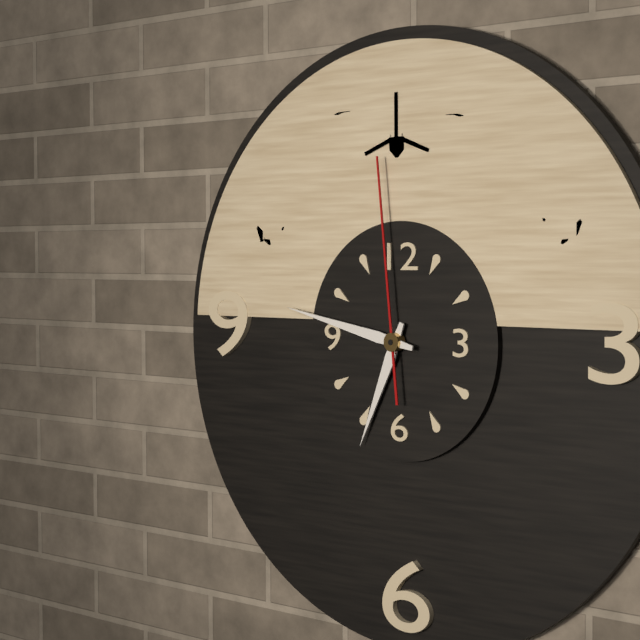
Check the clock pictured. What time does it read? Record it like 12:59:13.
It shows 6:47:59
